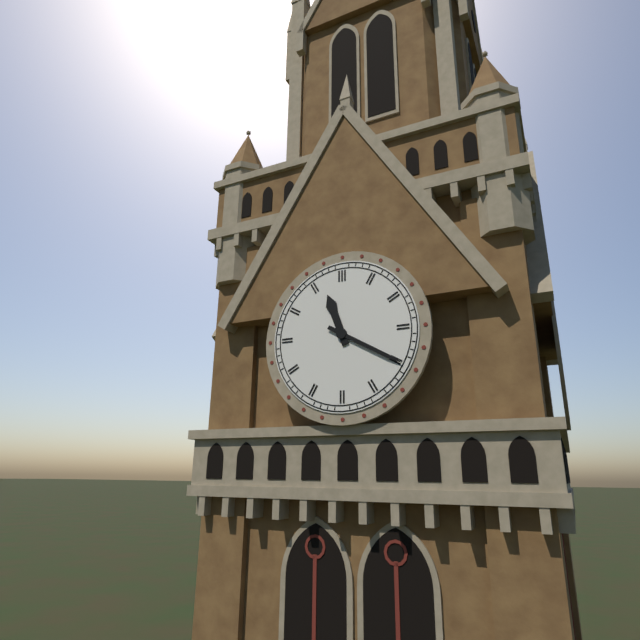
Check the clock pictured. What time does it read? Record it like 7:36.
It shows 11:20
